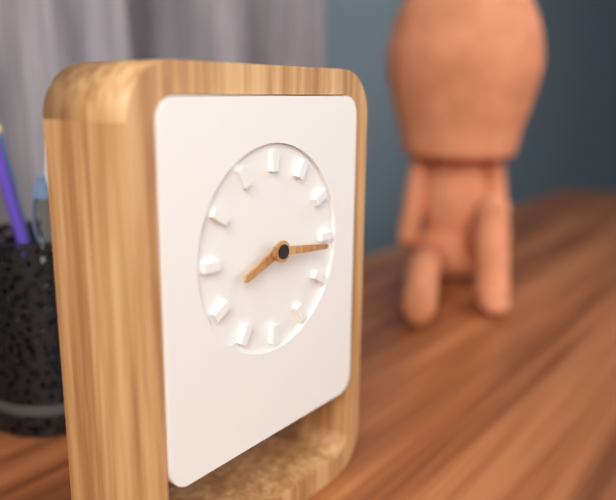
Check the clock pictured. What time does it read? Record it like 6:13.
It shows 8:16
